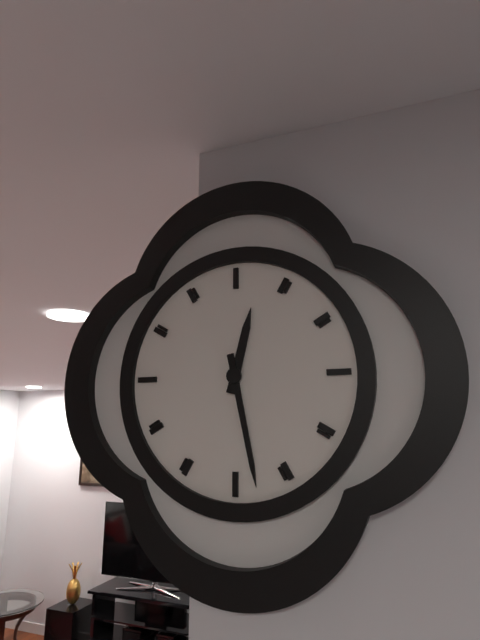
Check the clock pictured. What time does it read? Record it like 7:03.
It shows 12:28
